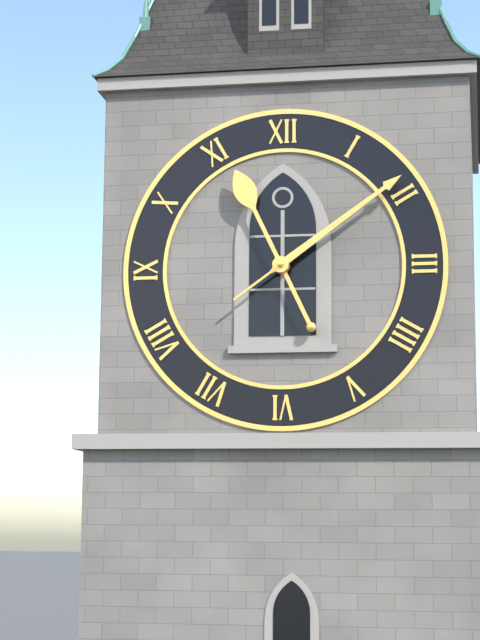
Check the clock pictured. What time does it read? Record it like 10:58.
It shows 11:09
